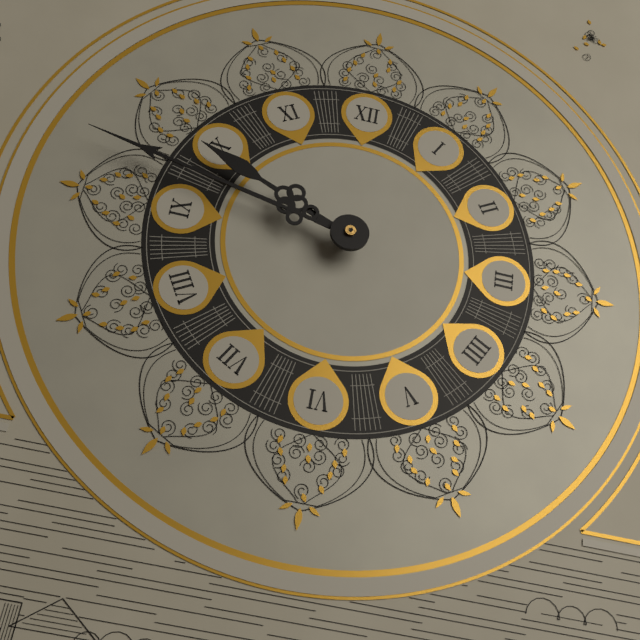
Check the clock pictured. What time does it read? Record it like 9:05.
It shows 9:47
